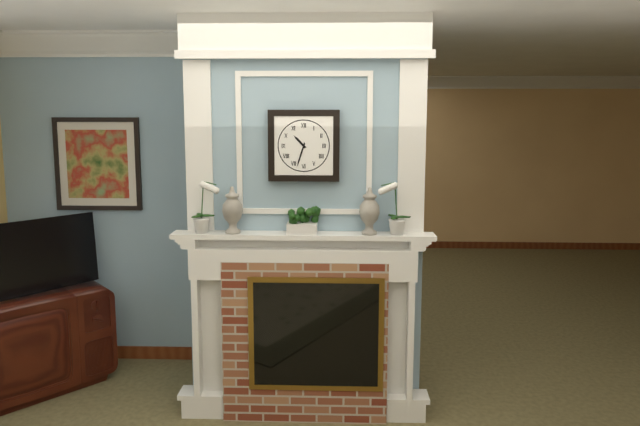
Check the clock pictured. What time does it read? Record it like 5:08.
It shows 10:33
